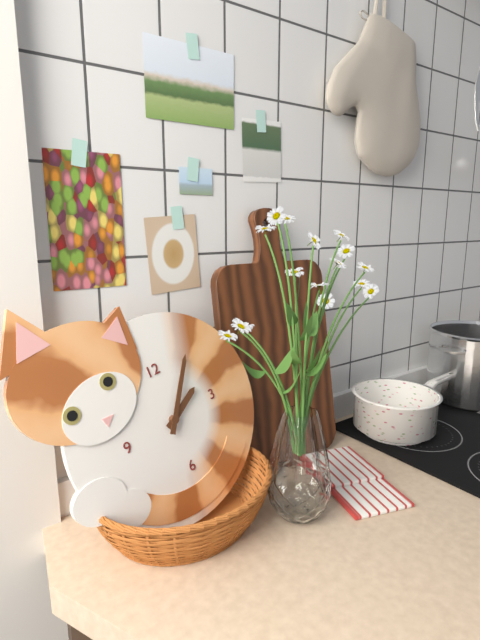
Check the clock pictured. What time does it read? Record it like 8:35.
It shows 2:06
